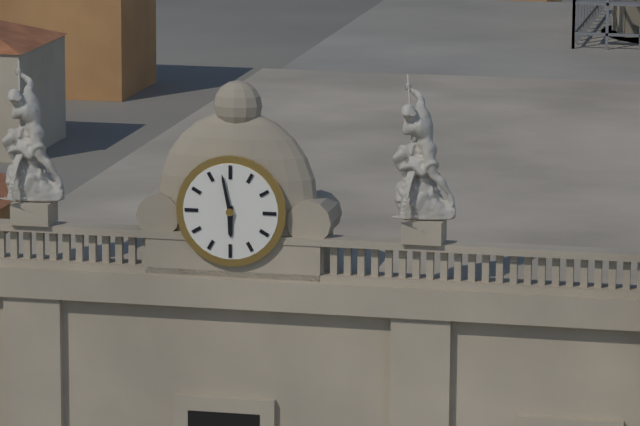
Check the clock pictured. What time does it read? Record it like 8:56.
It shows 5:58
